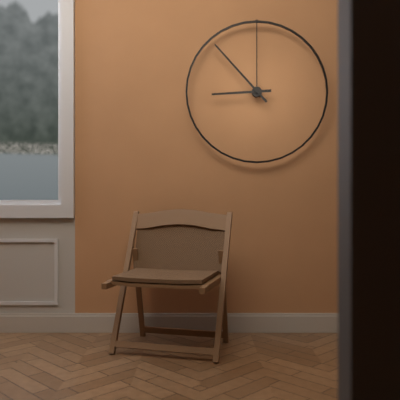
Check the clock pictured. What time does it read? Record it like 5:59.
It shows 8:53
